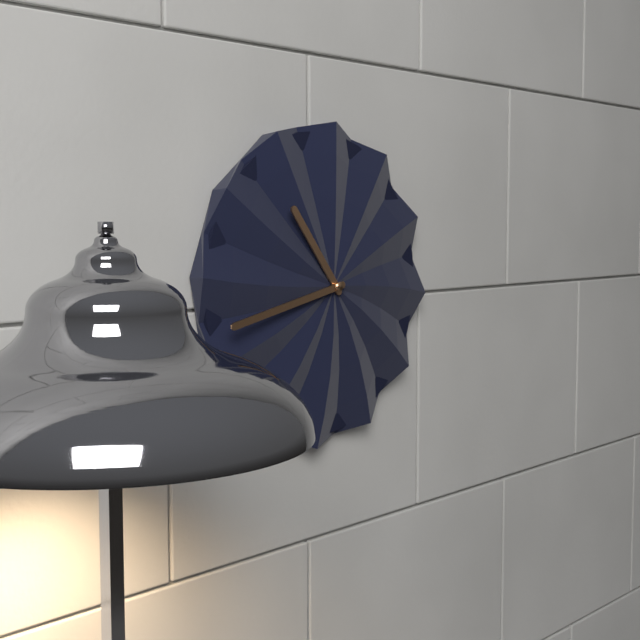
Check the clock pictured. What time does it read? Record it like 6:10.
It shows 10:43
